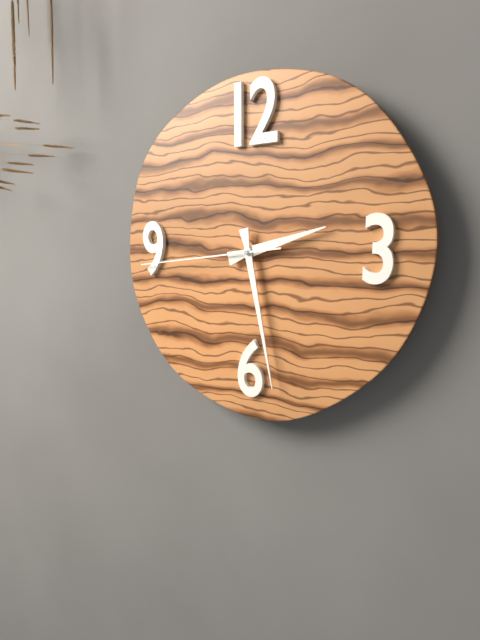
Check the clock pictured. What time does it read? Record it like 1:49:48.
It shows 2:28:44
